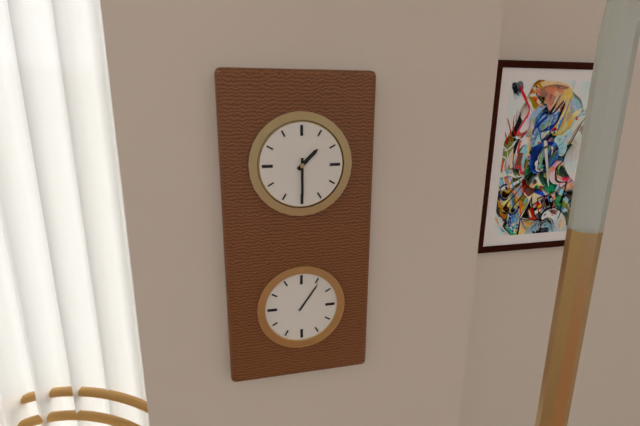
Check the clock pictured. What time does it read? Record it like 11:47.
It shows 1:30
